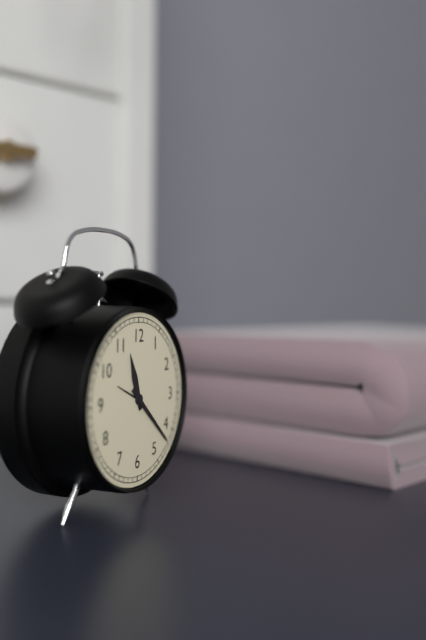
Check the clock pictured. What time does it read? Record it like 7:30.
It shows 11:22
